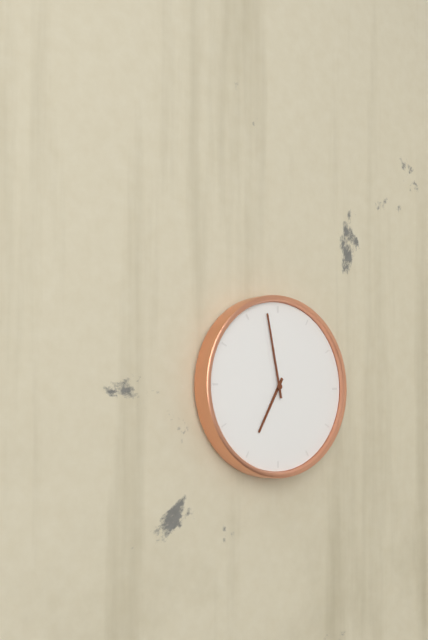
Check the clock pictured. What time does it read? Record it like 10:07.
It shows 6:58
